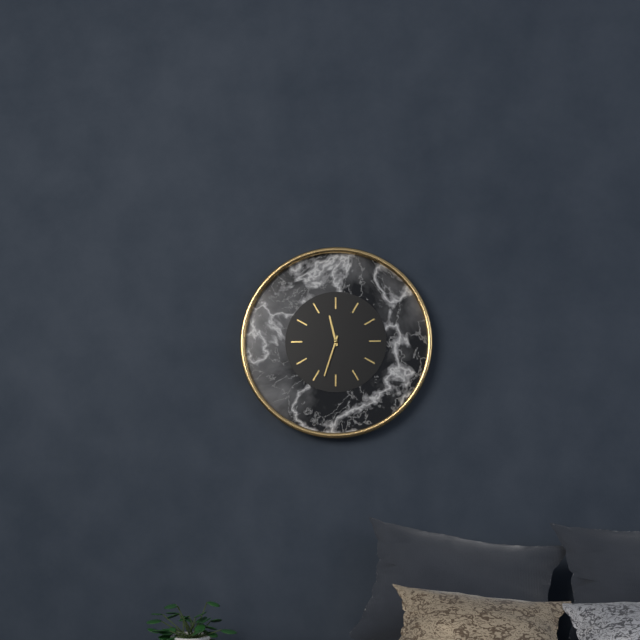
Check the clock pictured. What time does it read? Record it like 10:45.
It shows 11:33
